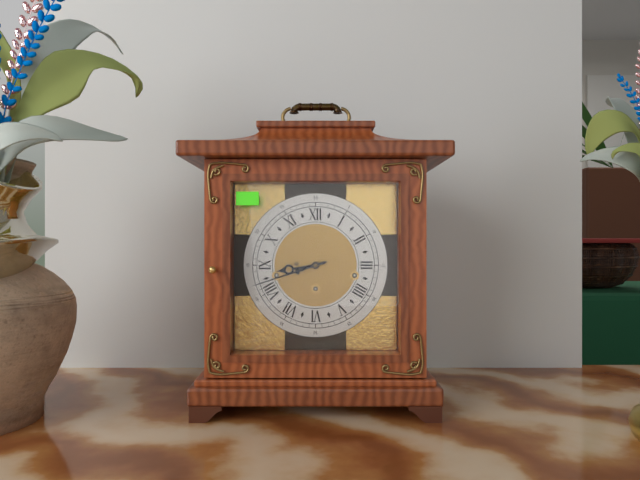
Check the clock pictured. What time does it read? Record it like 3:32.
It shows 8:42
